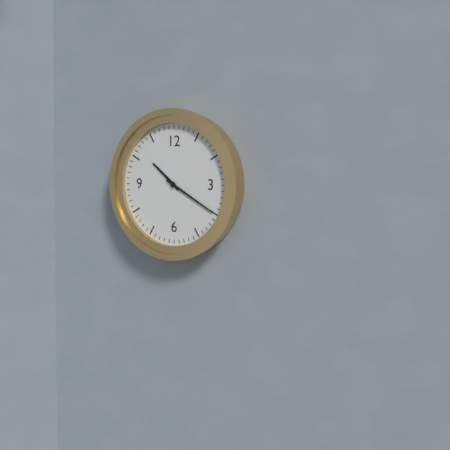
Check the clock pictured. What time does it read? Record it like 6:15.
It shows 10:20
